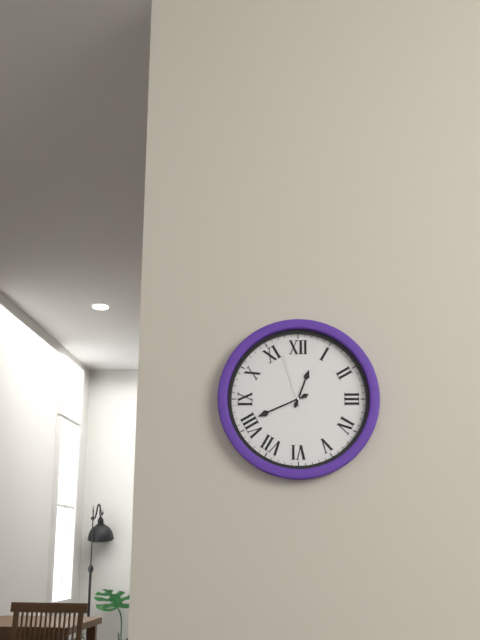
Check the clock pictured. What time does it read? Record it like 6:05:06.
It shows 12:41:57
